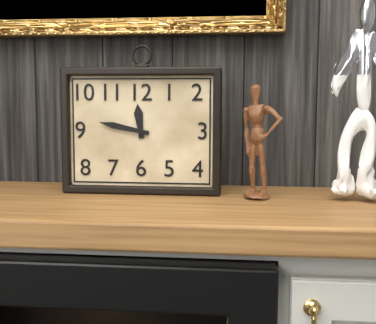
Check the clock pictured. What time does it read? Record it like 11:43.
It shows 11:47
